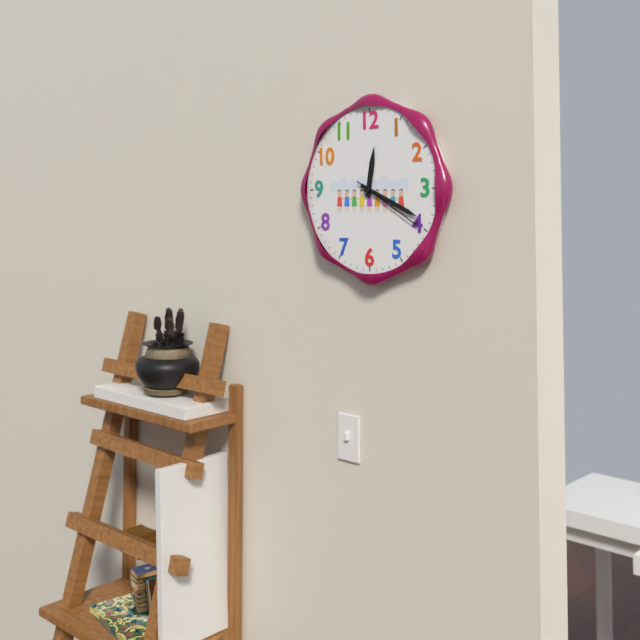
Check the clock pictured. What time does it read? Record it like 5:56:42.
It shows 12:19:20
